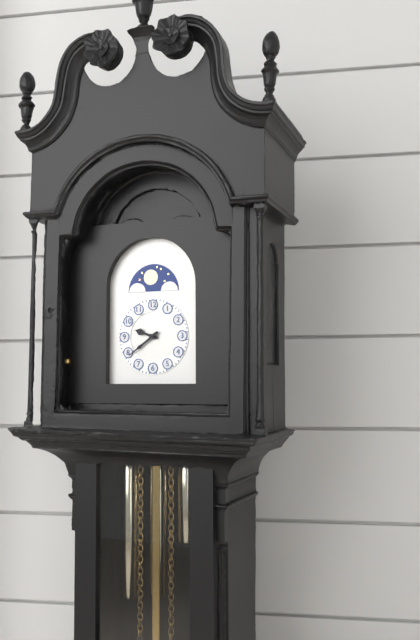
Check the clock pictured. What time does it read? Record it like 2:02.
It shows 9:39
